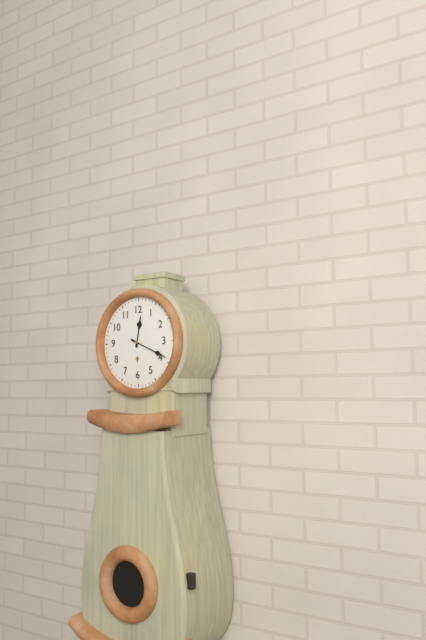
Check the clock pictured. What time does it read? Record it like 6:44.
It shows 12:19
